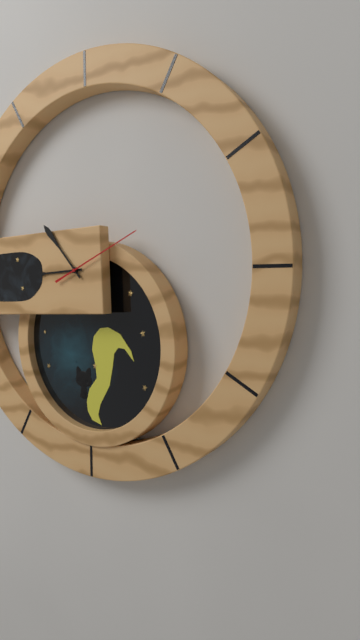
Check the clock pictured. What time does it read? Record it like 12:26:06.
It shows 8:53:11
